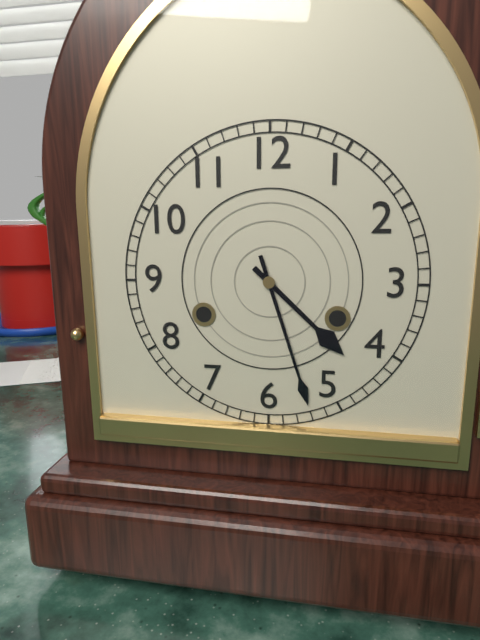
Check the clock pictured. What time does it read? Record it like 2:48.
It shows 4:27
